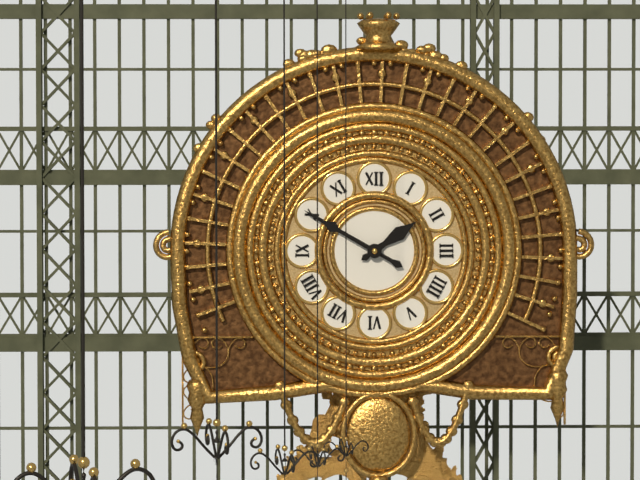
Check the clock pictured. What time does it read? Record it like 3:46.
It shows 1:50
